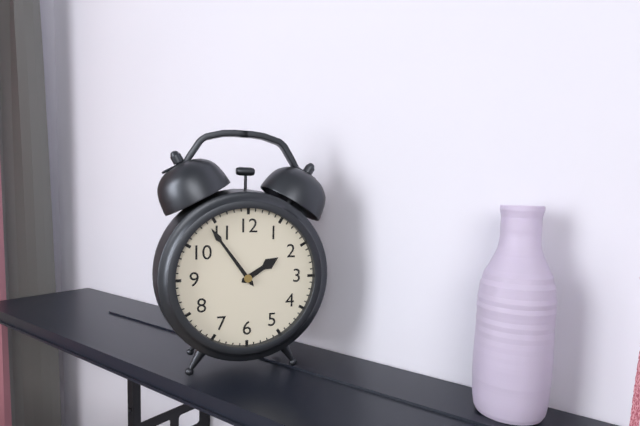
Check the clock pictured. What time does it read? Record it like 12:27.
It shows 1:54
